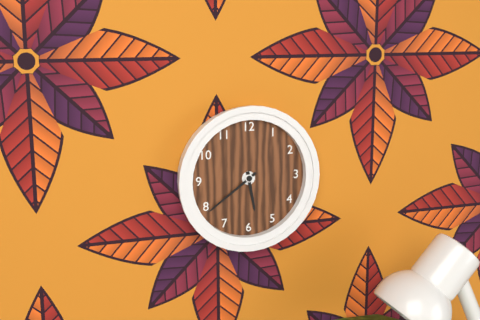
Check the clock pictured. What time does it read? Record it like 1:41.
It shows 5:39
